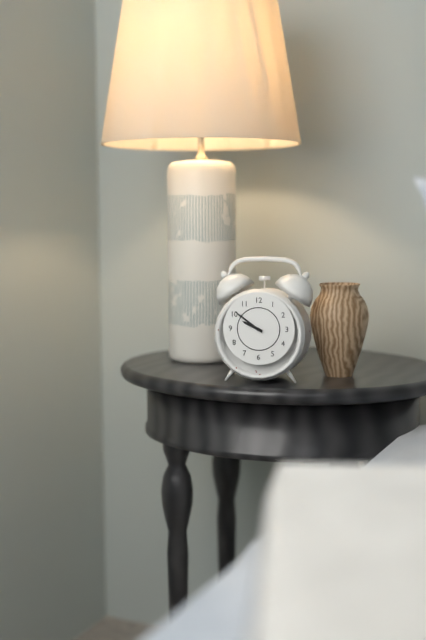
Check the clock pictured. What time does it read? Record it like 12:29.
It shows 9:51
